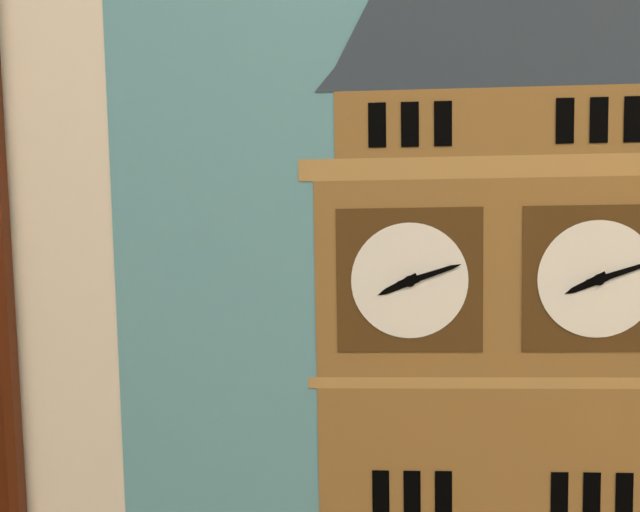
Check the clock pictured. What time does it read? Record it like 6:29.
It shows 8:12
